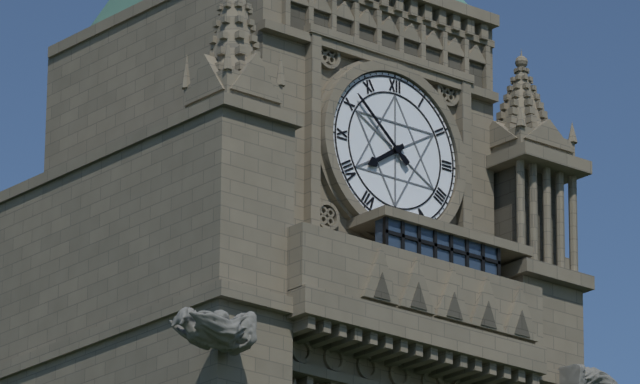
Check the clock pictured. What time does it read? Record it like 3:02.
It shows 7:52
